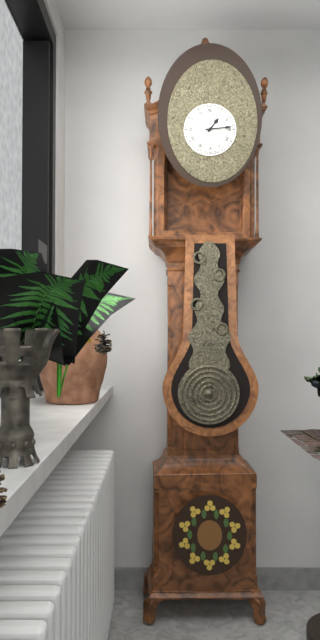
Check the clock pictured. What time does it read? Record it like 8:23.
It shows 1:14
